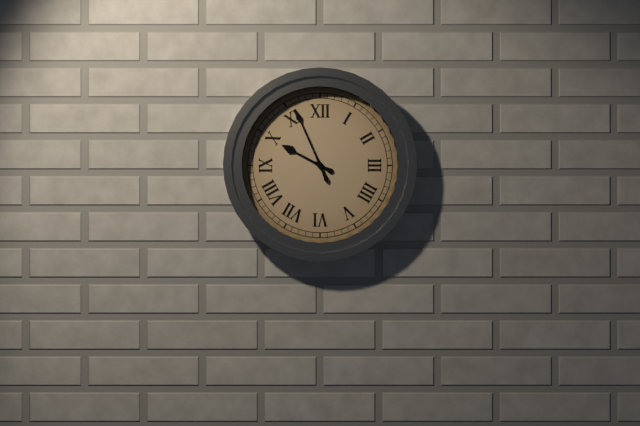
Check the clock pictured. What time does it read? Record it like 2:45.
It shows 9:56
